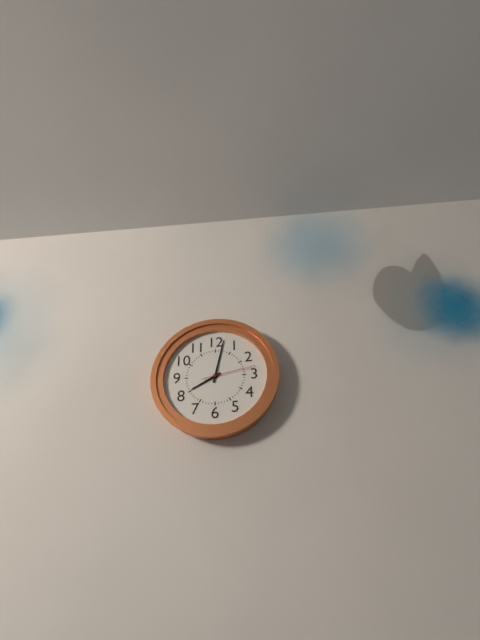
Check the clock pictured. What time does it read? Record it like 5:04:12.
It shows 8:02:13
